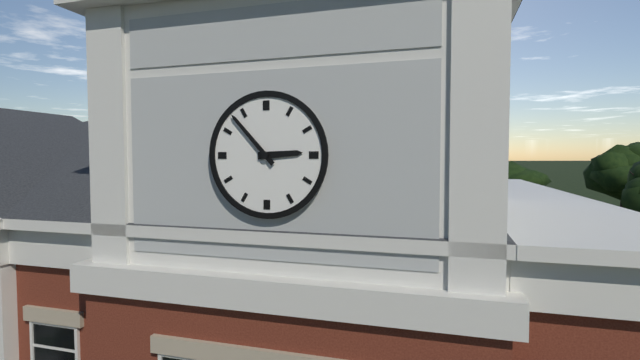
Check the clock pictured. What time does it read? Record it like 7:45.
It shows 2:53
